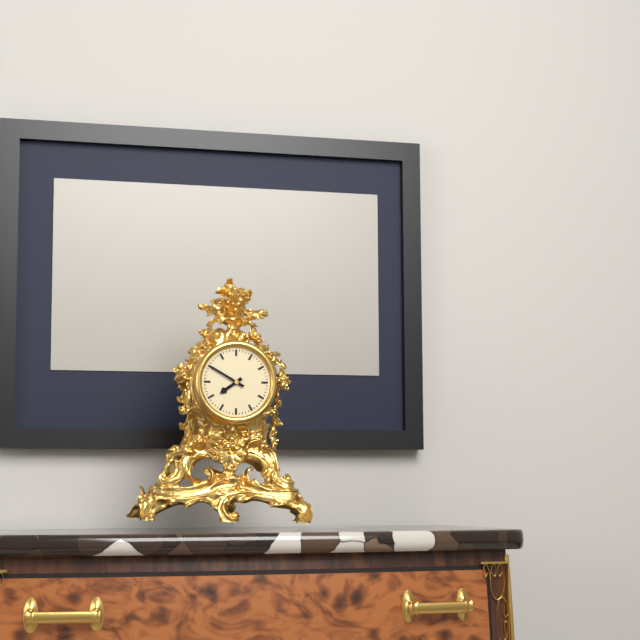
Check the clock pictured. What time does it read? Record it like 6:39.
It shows 7:50
